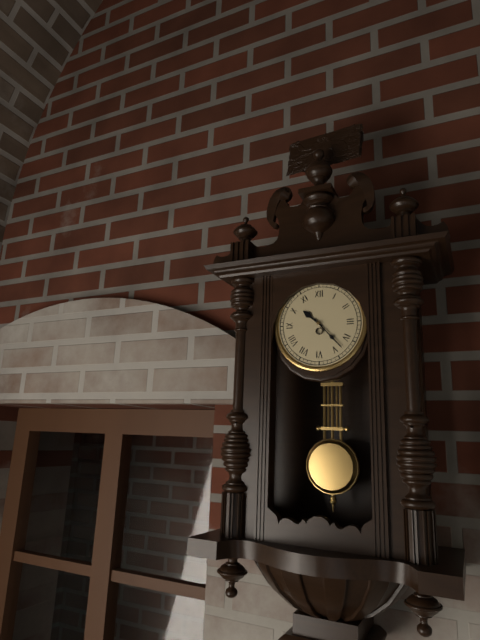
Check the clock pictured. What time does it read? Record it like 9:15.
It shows 10:23
